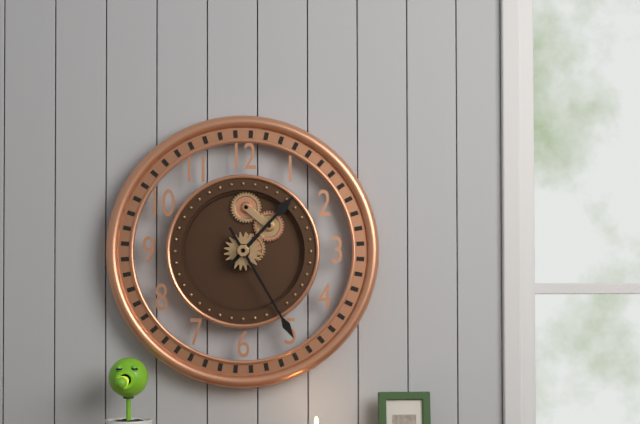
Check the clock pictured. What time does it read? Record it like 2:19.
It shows 1:25
